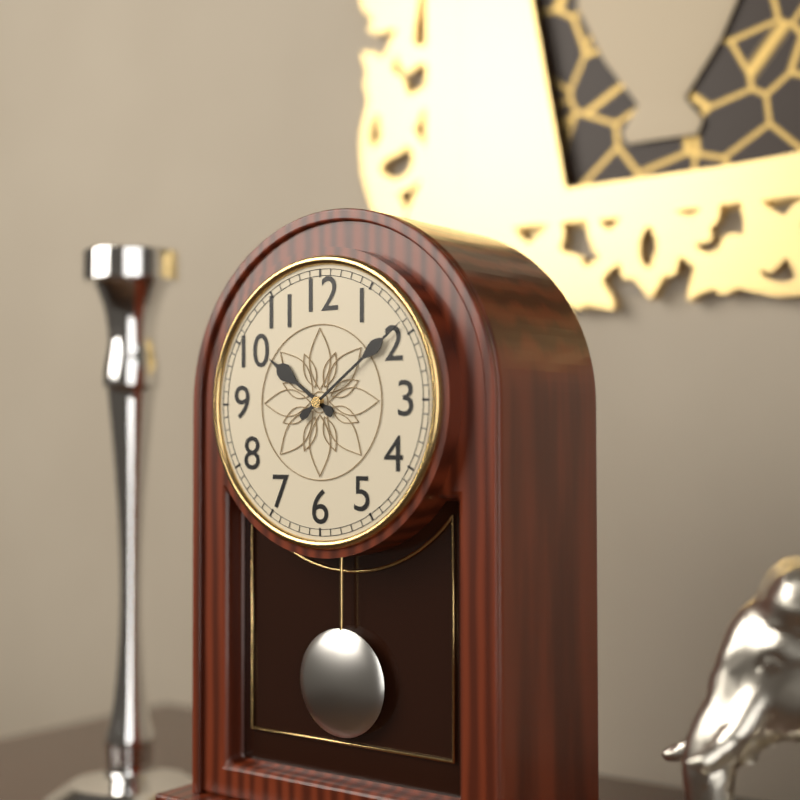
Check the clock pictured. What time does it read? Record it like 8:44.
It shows 10:09
